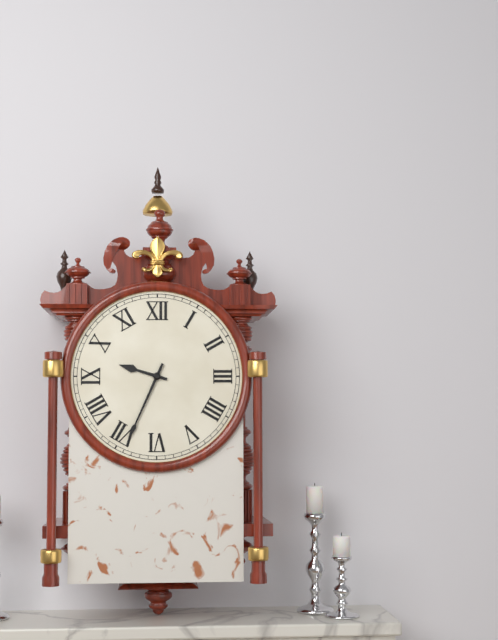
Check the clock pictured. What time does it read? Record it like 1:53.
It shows 9:34
